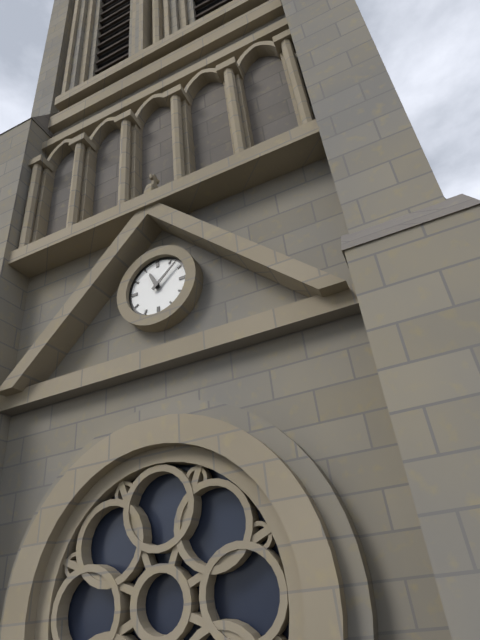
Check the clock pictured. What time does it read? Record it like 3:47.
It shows 11:08
